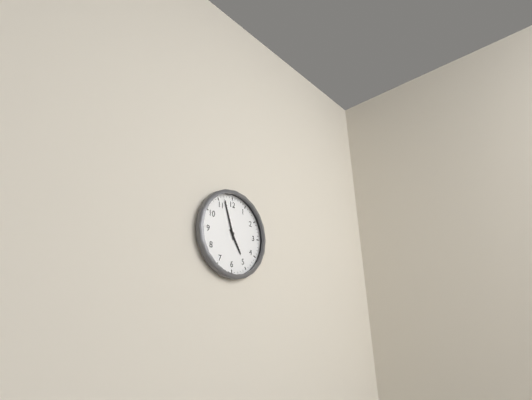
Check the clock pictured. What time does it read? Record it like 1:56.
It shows 4:57
